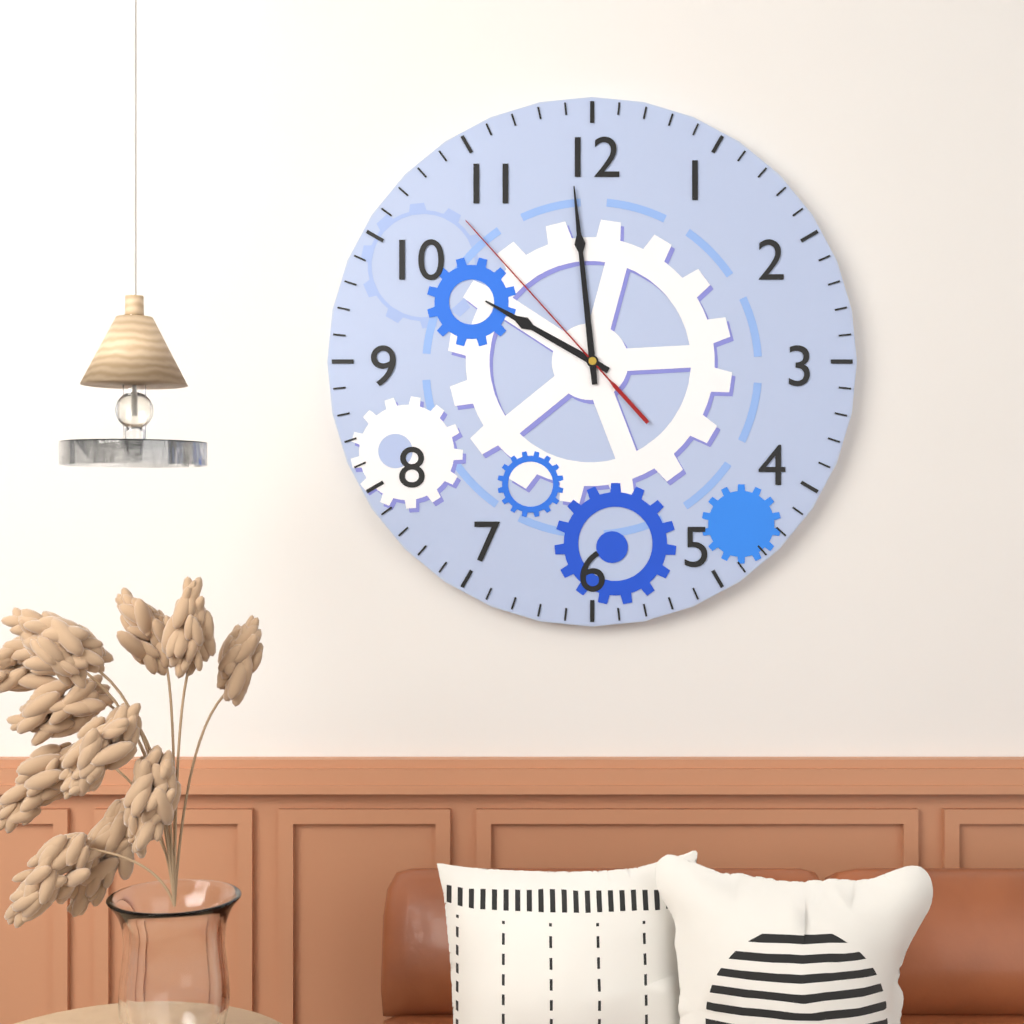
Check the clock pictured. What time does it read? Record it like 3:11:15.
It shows 9:59:53
